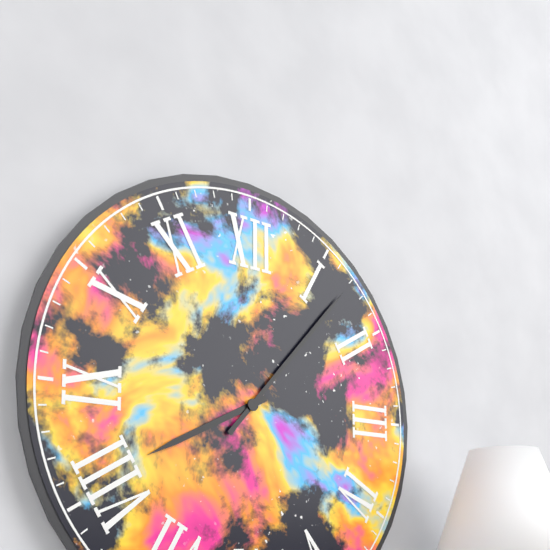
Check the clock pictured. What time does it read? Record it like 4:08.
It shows 8:07
